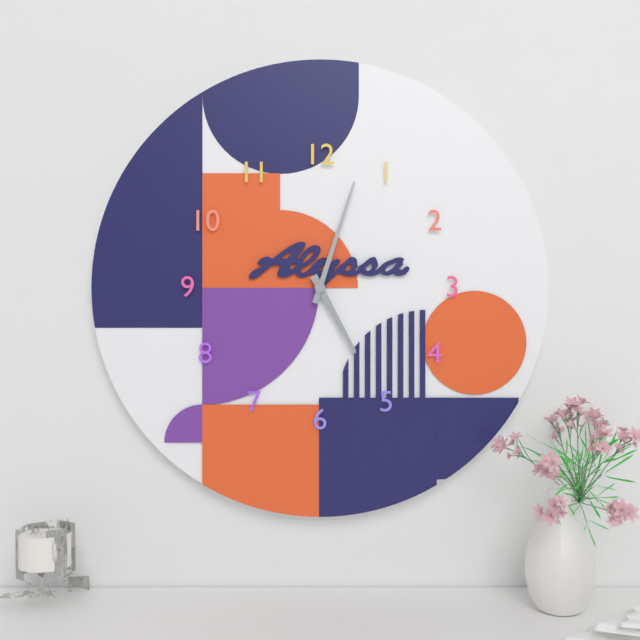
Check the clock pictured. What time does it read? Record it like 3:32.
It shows 5:03
